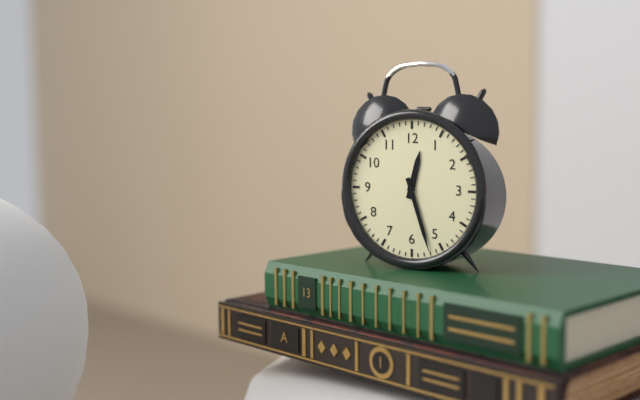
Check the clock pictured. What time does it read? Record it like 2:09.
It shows 12:27
